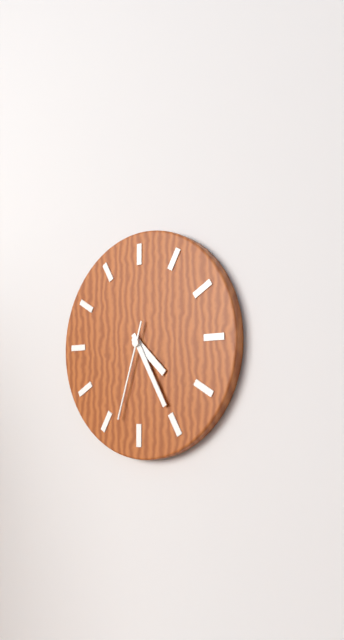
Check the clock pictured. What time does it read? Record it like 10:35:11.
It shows 4:25:33
